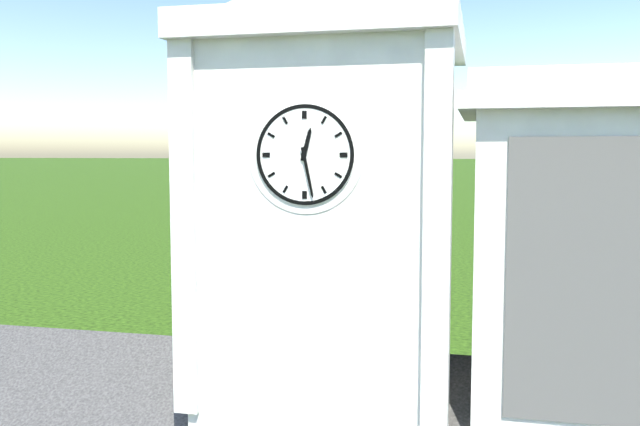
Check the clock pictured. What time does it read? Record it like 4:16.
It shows 12:28
